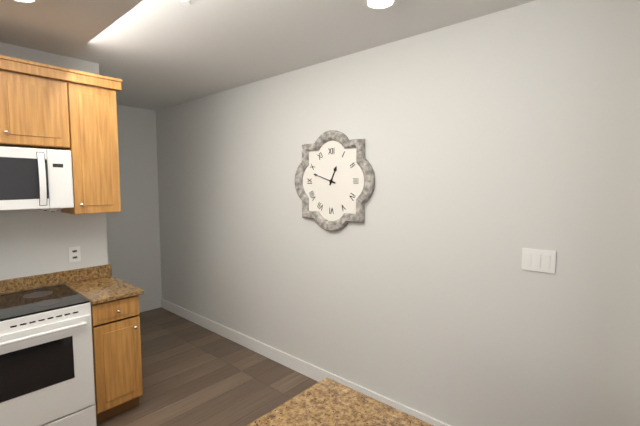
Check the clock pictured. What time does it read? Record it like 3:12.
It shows 12:48
